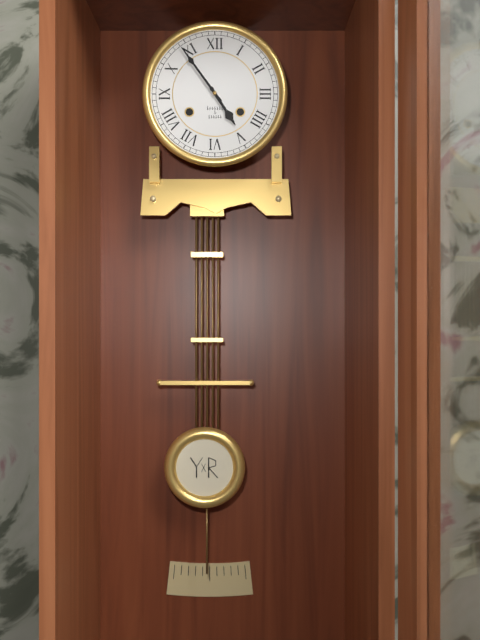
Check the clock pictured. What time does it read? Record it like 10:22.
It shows 4:54
